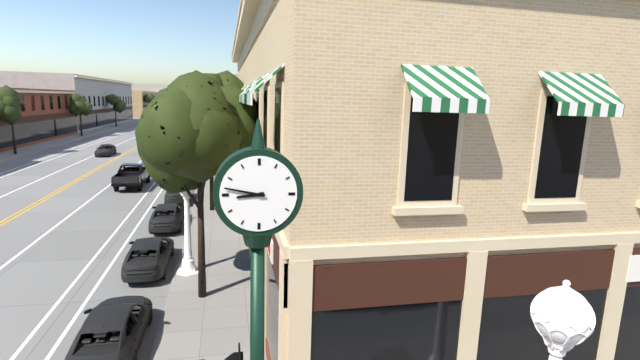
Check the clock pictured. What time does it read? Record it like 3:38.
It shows 8:47
